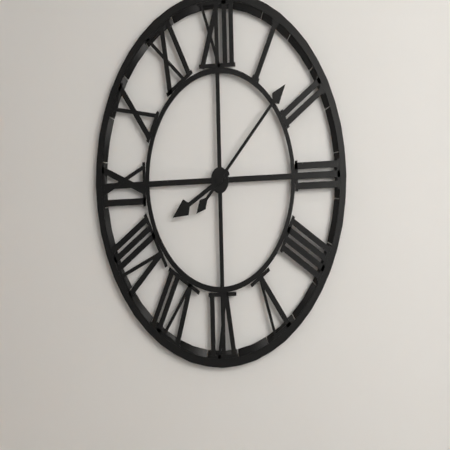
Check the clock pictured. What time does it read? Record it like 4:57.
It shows 8:08
